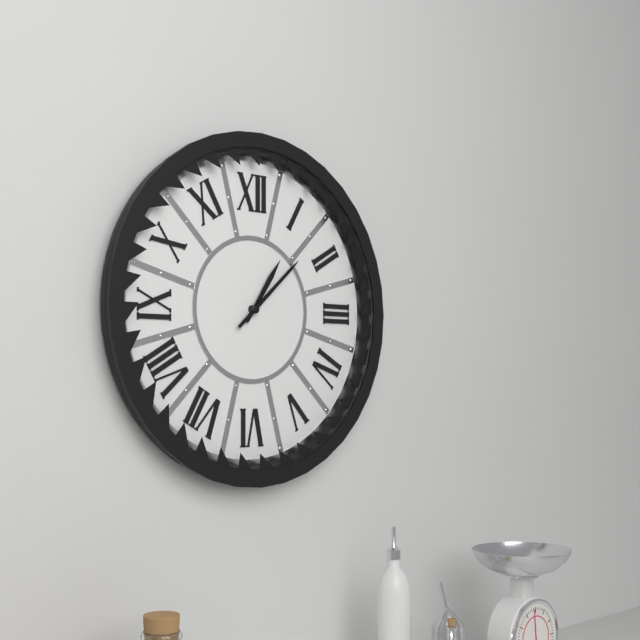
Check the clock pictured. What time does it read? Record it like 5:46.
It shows 1:08
